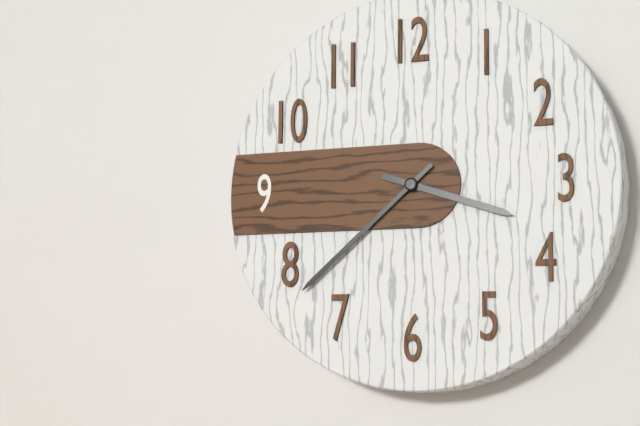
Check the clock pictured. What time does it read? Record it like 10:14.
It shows 3:38
